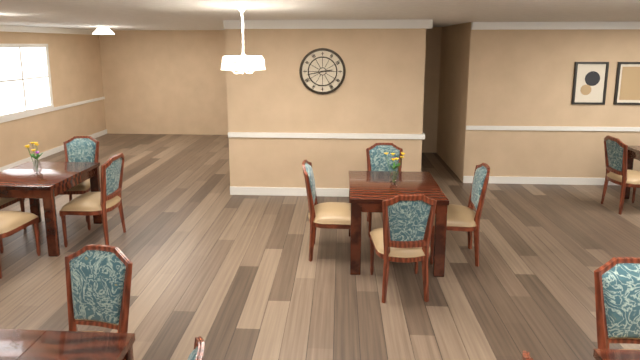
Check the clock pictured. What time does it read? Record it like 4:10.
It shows 2:43
